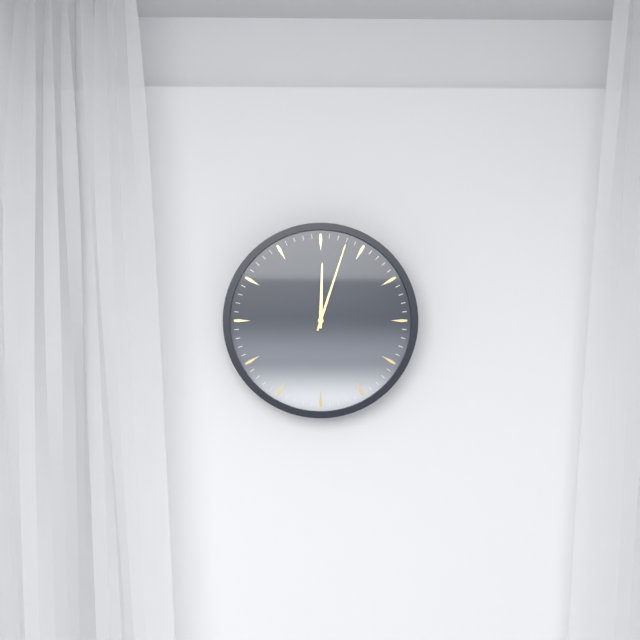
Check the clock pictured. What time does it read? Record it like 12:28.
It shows 12:03
